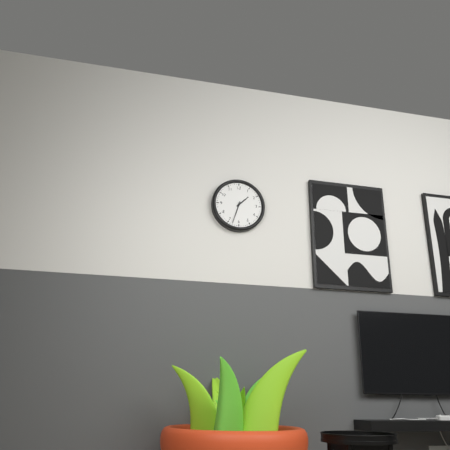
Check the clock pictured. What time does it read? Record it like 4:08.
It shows 1:33
